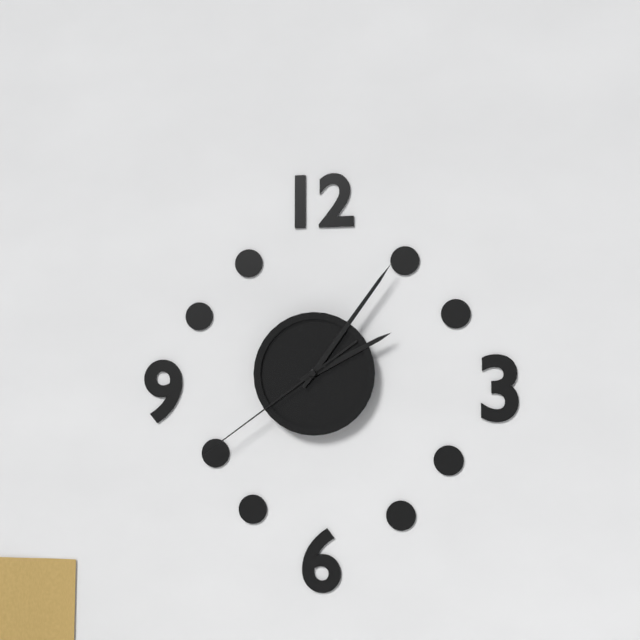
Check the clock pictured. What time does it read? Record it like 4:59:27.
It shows 2:06:39
